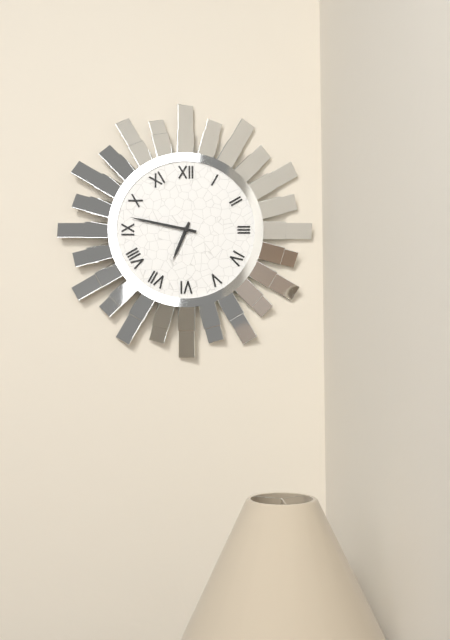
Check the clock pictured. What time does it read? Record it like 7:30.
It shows 6:47
